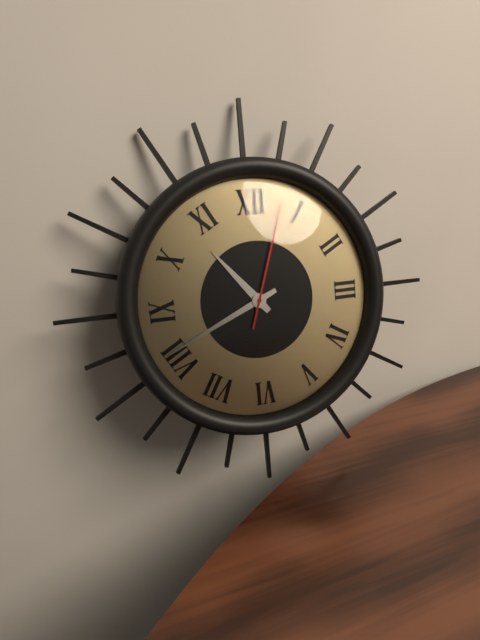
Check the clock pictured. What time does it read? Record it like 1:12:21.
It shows 10:41:03
